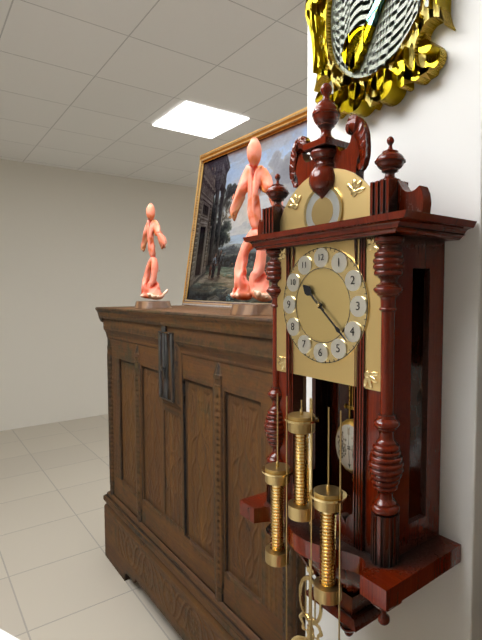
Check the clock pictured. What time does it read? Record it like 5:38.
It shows 10:22
